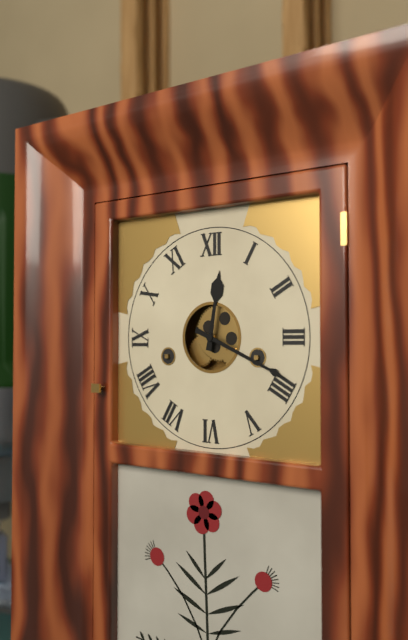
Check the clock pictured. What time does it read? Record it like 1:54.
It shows 12:19
